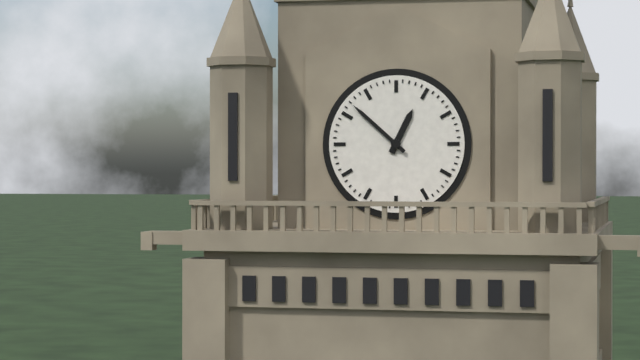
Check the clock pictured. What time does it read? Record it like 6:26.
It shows 12:52
